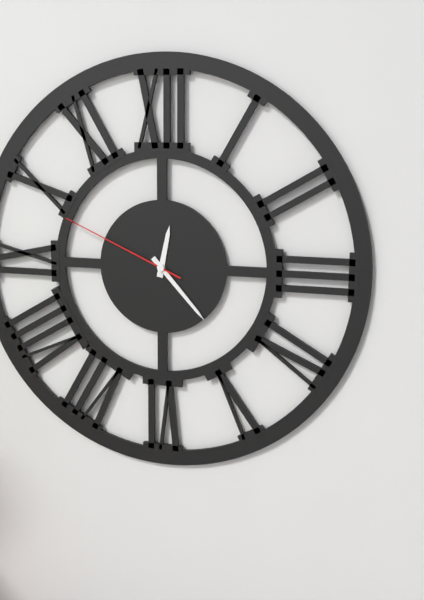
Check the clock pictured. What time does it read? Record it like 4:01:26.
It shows 12:23:49
